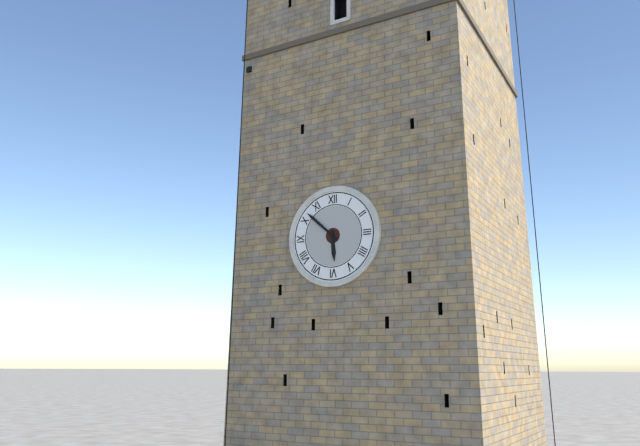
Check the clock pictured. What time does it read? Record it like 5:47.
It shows 5:52
